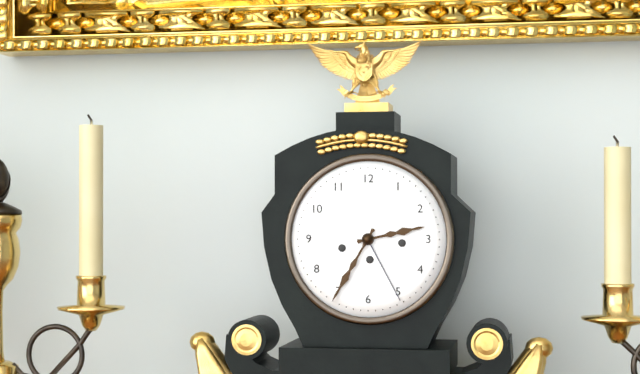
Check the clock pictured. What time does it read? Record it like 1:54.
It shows 2:35
